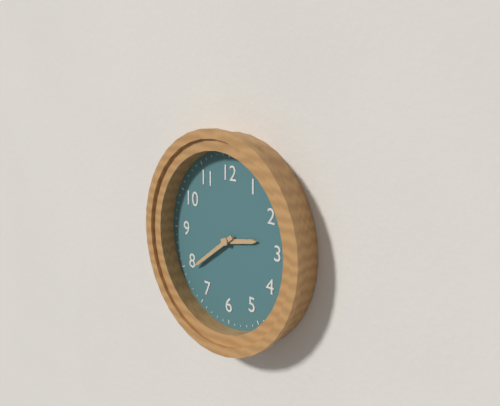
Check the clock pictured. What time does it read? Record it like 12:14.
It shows 2:39
